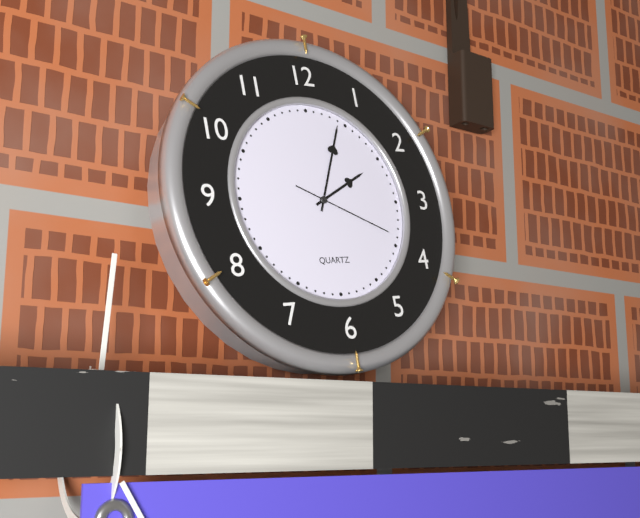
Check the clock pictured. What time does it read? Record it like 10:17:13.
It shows 2:04:19
